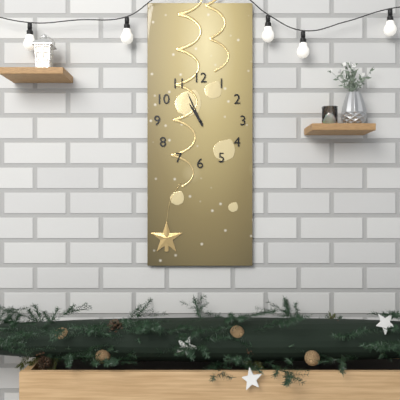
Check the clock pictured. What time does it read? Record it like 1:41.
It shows 10:56
